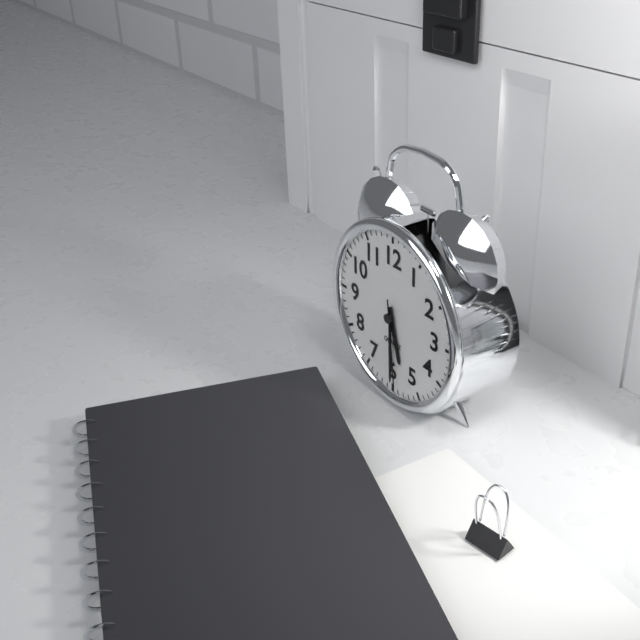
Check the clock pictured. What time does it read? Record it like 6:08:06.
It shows 5:30:29
